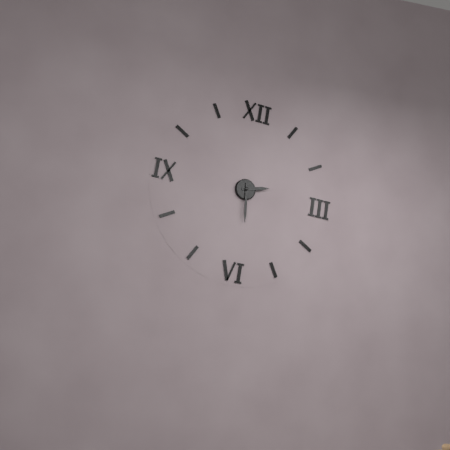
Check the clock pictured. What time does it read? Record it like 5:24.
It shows 2:29
